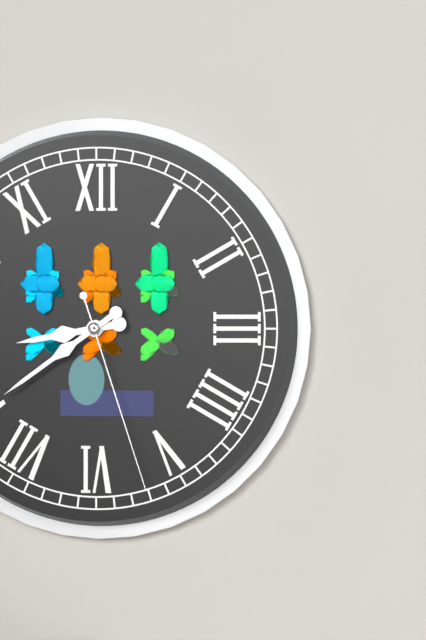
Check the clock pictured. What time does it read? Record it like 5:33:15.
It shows 8:39:27
